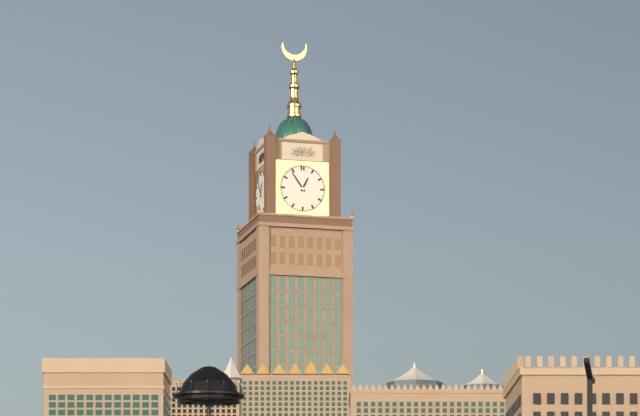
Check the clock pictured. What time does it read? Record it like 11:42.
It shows 12:54
